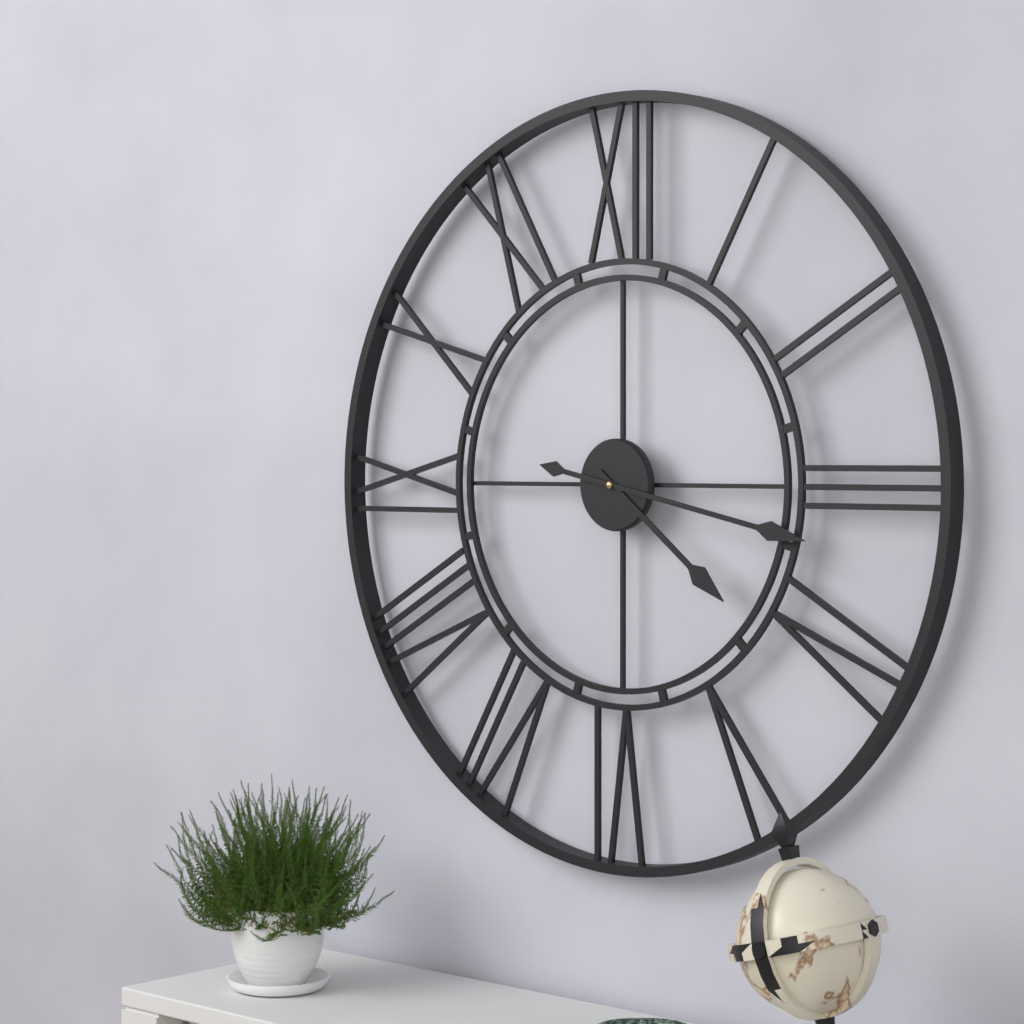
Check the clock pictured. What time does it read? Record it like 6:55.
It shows 4:17
